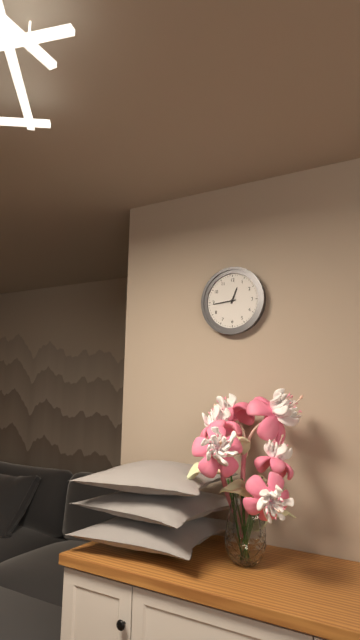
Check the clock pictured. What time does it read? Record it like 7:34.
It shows 12:44
